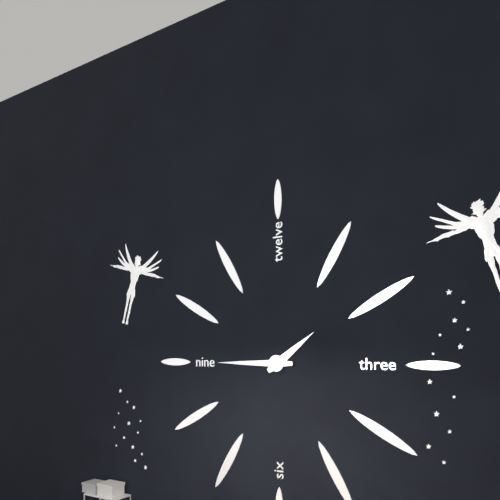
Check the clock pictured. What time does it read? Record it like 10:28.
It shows 1:45
